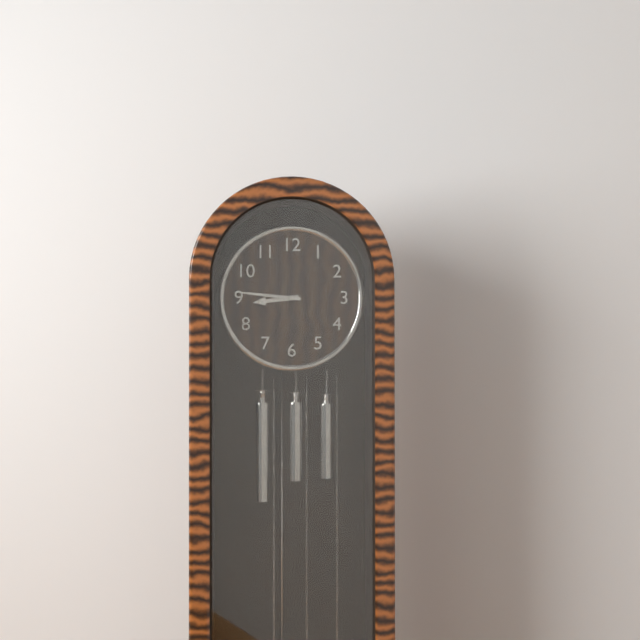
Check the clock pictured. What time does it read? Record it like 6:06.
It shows 8:46
